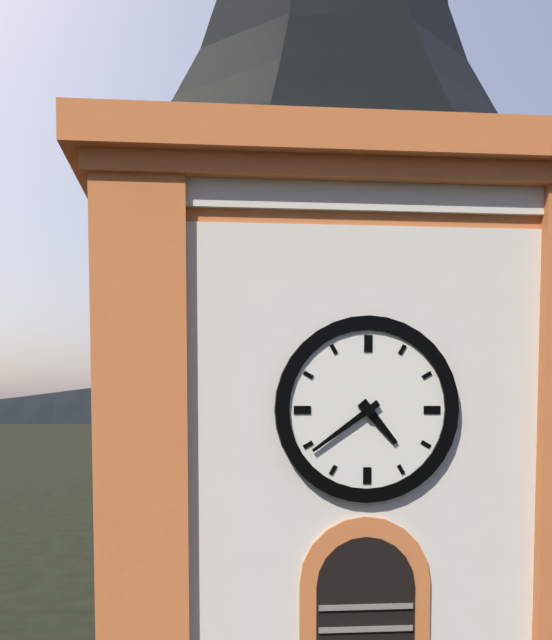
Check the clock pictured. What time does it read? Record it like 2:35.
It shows 4:39
